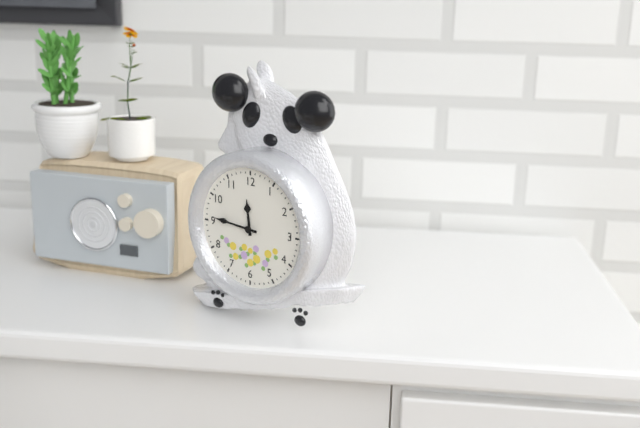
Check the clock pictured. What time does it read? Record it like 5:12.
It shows 11:46
